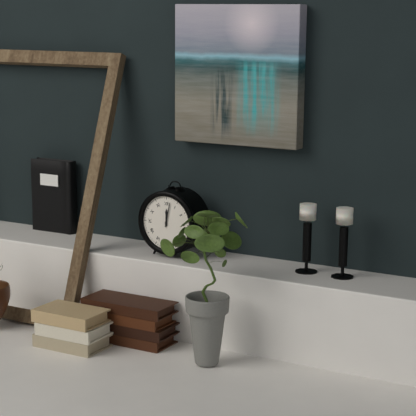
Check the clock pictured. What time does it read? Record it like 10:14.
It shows 12:02
